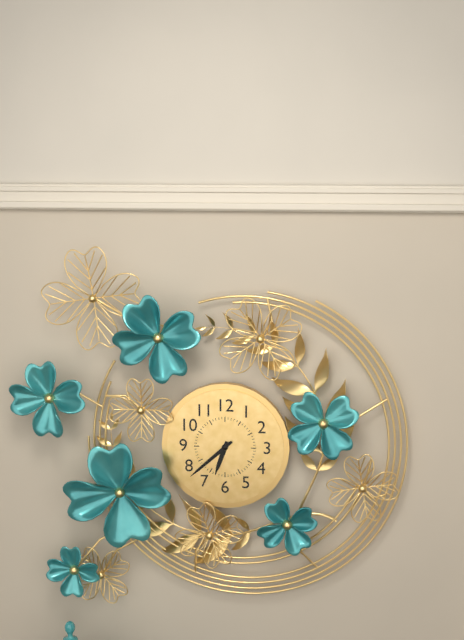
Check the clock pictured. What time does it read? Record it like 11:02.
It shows 6:38
